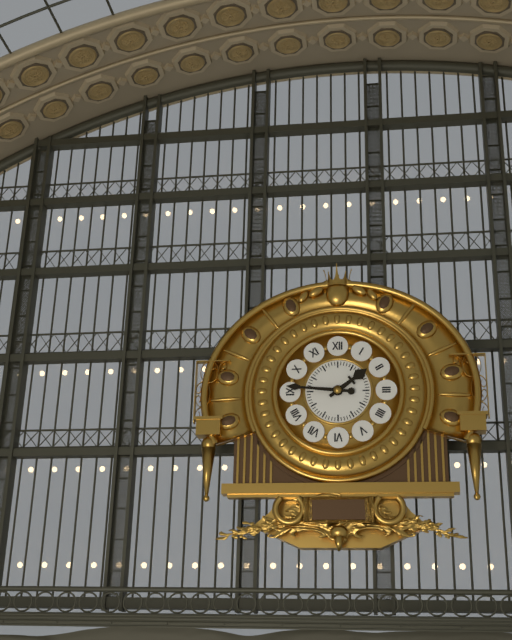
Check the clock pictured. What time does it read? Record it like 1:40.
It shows 1:46
